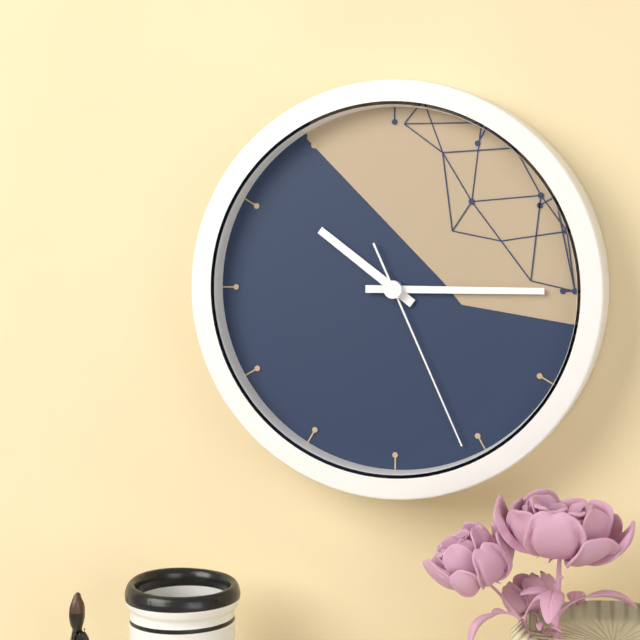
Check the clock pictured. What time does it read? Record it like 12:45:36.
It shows 10:15:26
